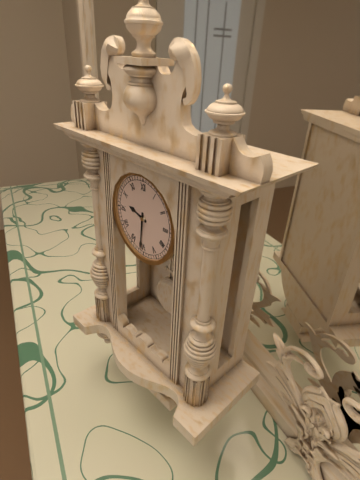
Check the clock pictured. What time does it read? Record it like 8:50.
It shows 9:31
